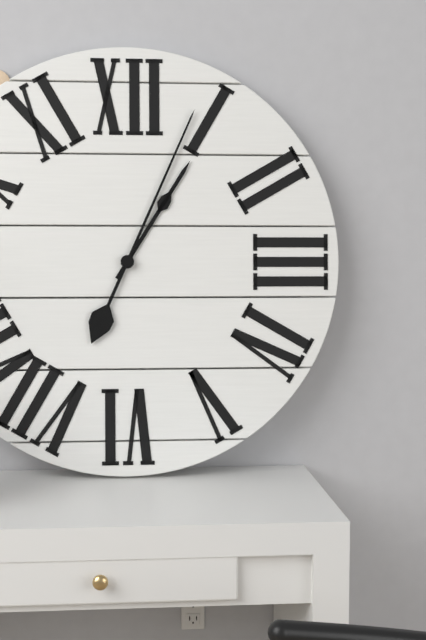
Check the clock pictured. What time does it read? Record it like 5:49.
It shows 1:04
